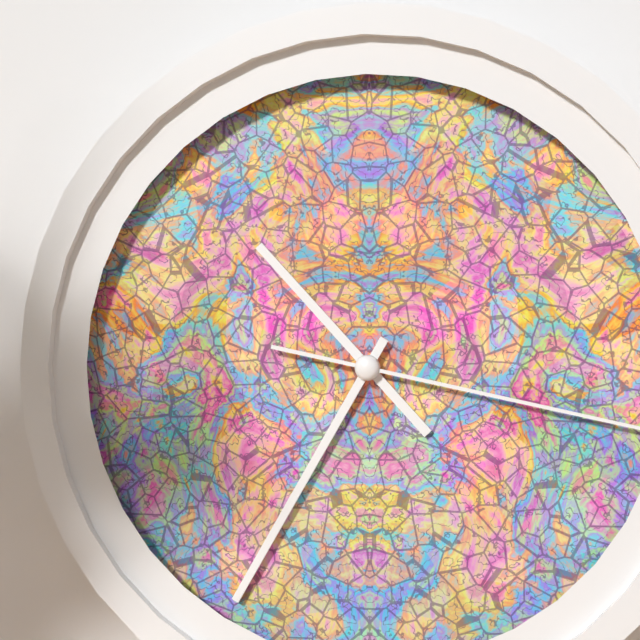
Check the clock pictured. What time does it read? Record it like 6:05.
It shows 10:35
